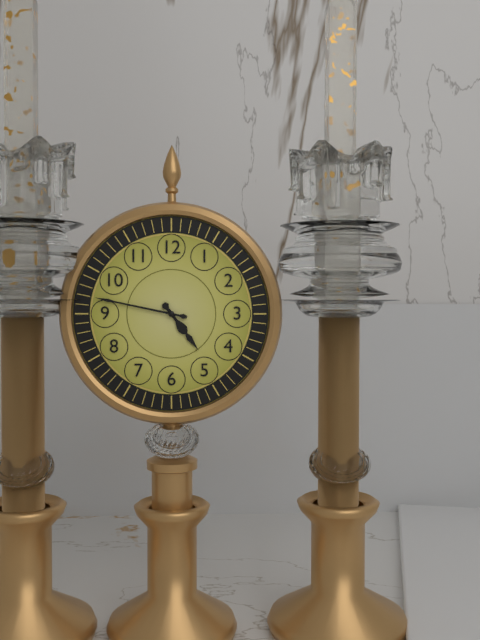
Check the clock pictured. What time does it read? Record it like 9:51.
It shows 4:47
